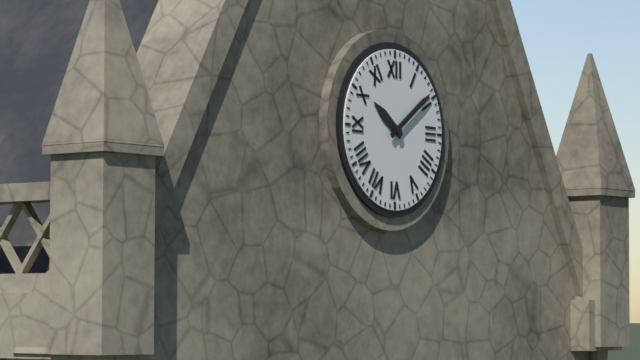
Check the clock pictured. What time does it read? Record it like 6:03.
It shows 10:09
